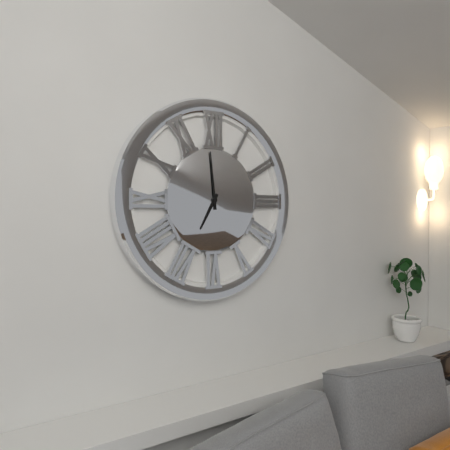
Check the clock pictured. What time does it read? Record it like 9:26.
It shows 6:59
